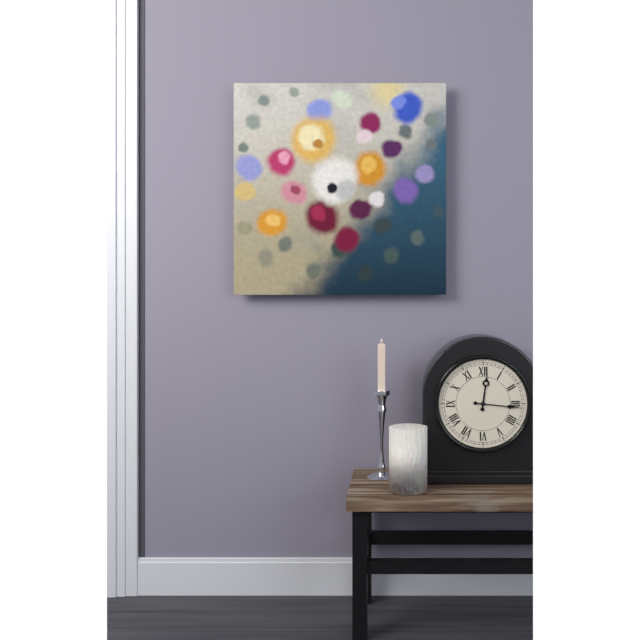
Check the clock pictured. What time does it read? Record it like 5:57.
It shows 12:16
